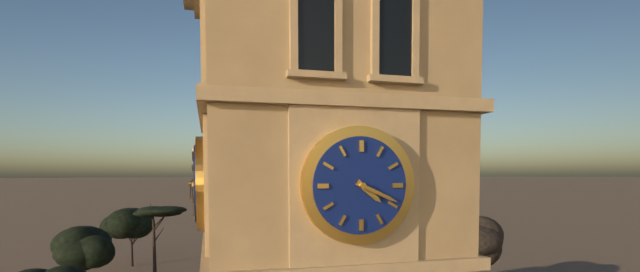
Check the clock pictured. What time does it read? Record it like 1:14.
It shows 4:19
